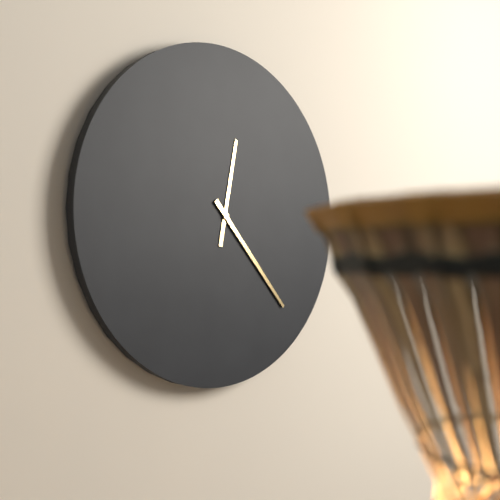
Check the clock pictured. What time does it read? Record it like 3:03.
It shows 12:23
